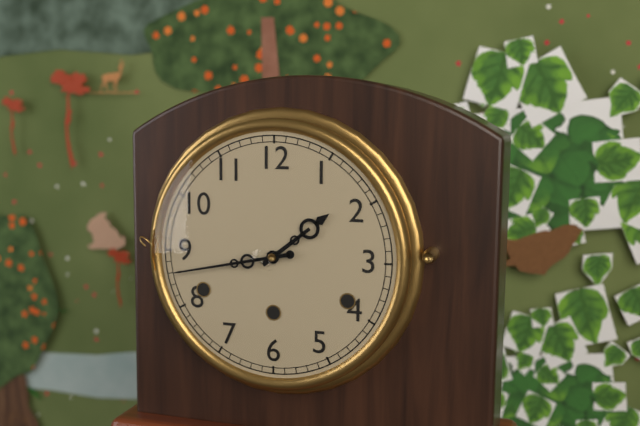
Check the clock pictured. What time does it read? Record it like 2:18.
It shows 1:43
